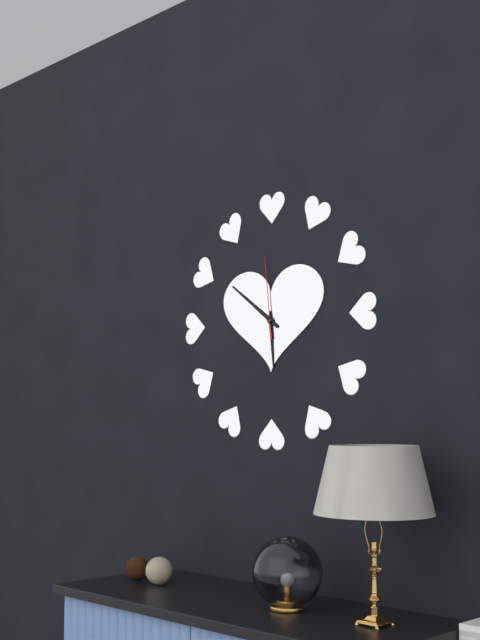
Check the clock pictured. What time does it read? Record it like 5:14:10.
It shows 5:51:59
